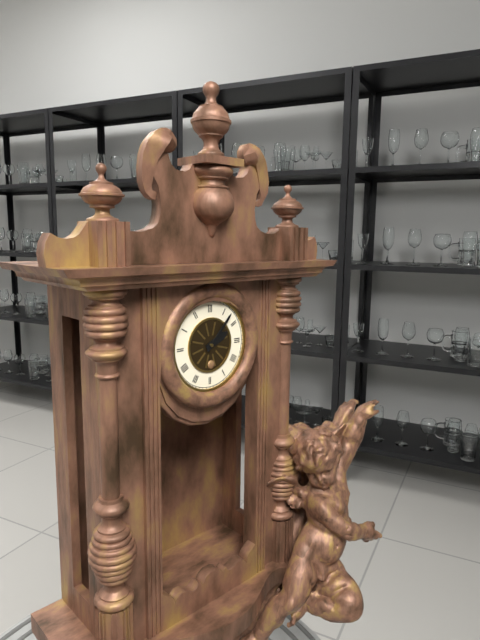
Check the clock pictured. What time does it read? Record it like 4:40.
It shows 2:07
